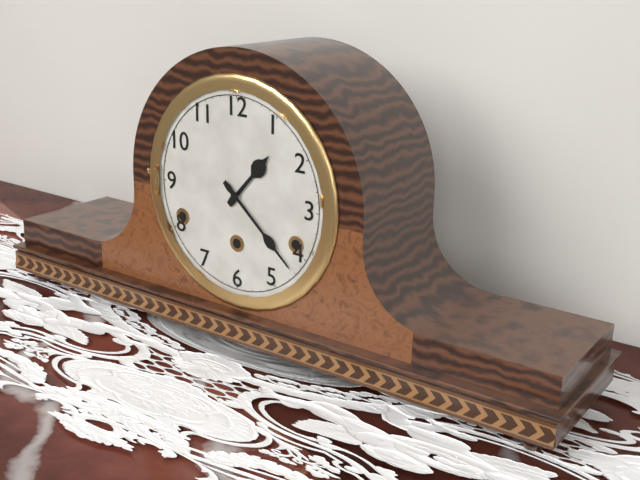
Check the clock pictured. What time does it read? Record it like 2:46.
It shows 1:22
